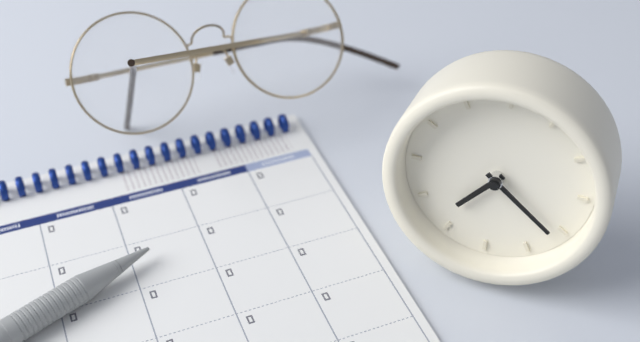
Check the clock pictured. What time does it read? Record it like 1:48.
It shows 7:21
